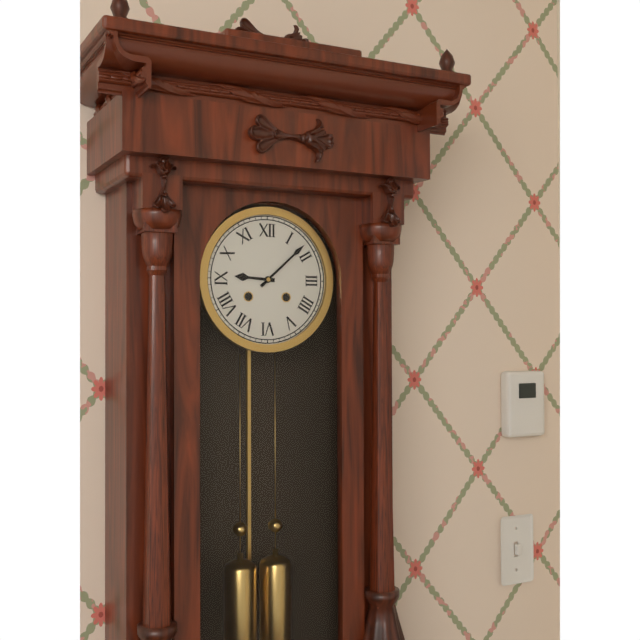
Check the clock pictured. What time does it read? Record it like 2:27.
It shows 9:08
